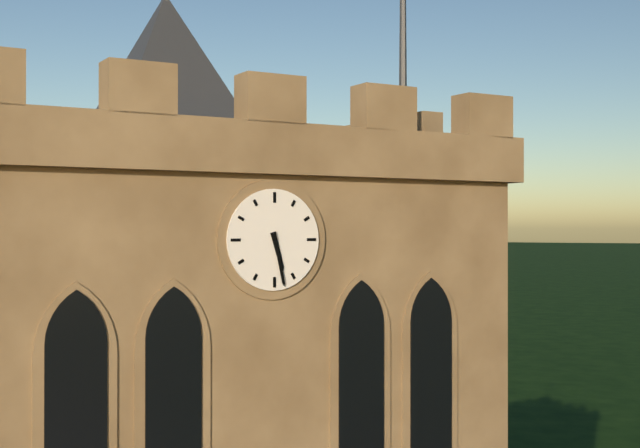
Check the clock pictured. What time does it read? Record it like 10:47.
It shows 5:28
